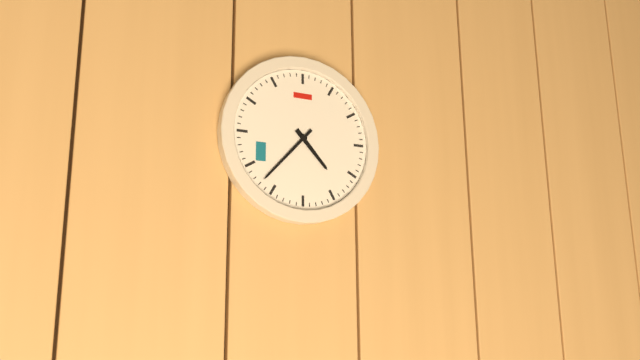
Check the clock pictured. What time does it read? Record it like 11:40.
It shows 4:37
